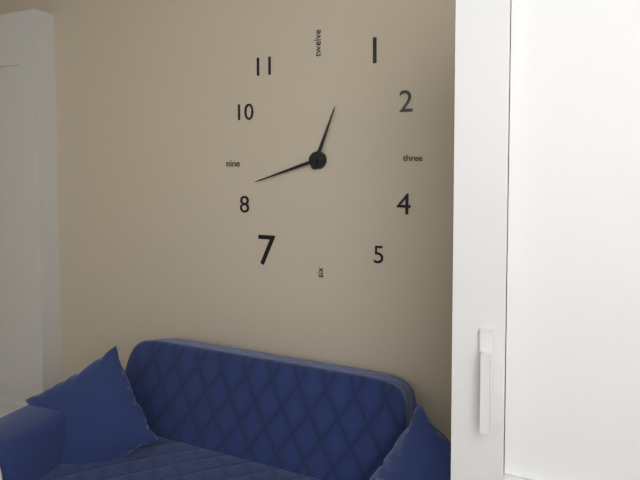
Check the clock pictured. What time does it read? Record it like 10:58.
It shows 12:42
